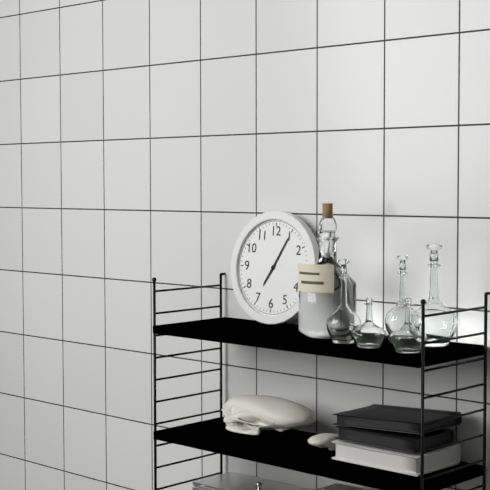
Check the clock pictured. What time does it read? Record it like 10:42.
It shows 7:05
